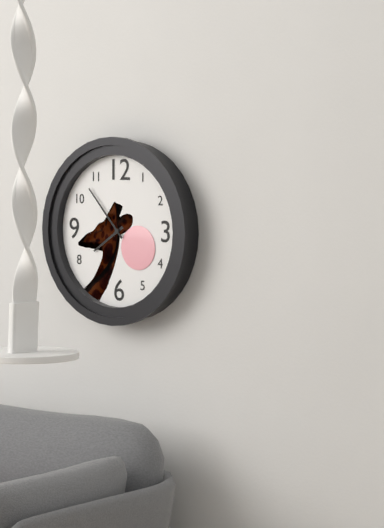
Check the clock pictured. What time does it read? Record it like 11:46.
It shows 7:53
